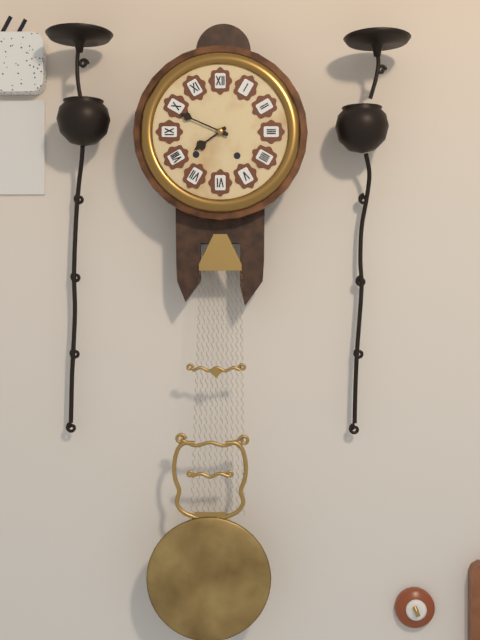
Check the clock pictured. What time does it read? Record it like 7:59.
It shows 7:49
